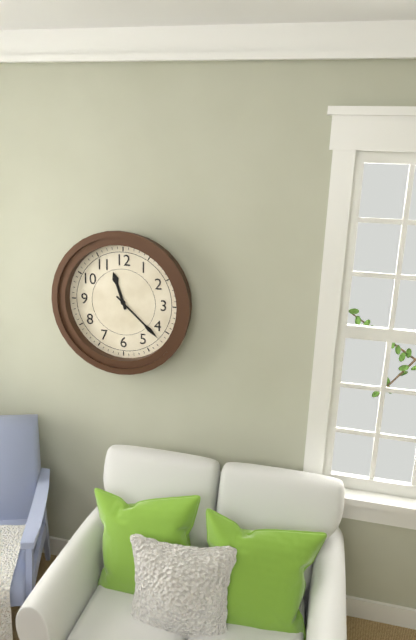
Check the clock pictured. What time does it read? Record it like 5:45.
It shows 11:22
